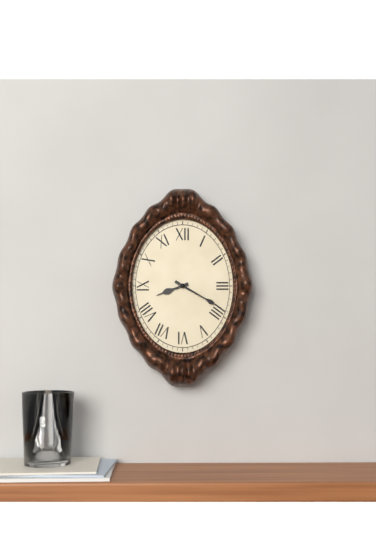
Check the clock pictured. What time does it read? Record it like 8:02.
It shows 8:20
